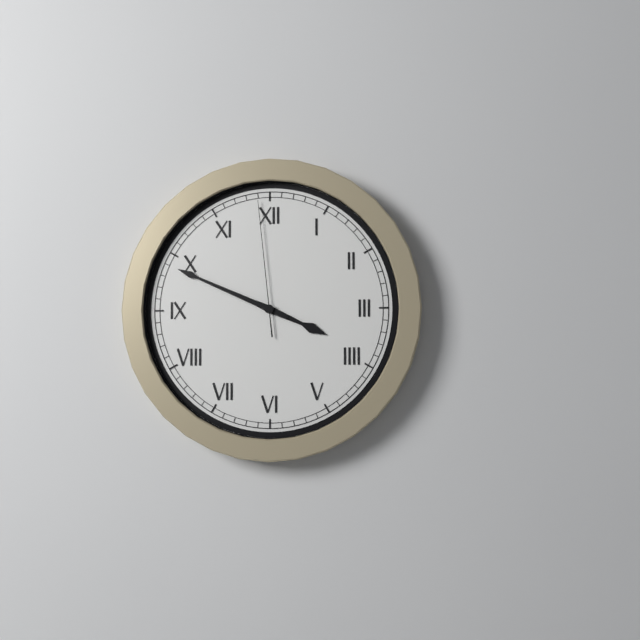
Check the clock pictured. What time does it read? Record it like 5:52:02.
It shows 3:49:59
